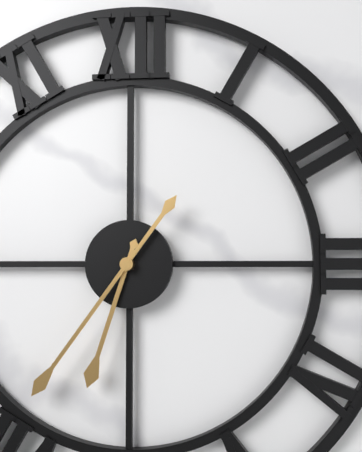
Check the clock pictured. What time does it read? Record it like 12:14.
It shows 6:36
